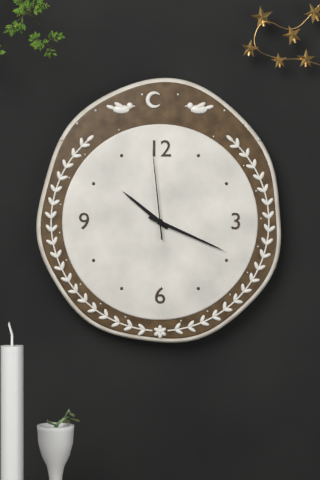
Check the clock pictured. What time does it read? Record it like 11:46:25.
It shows 10:19:59
